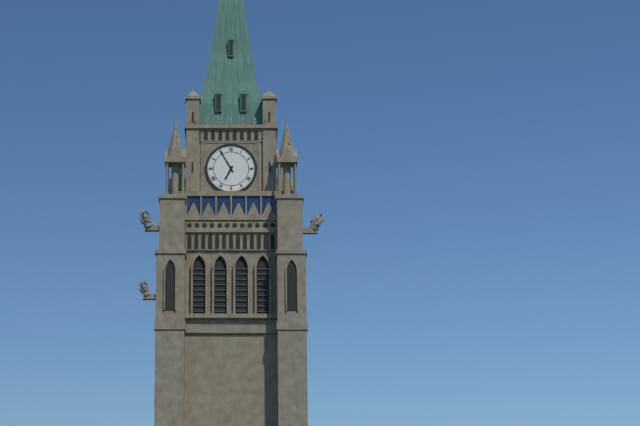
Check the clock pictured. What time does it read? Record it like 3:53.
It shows 6:55
